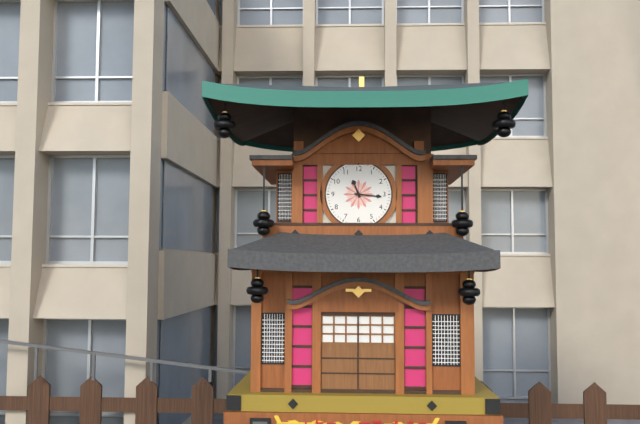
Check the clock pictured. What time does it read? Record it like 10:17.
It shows 11:16
